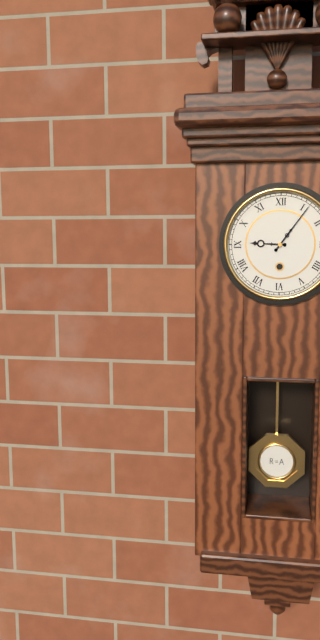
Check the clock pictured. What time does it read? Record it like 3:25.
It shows 9:06
